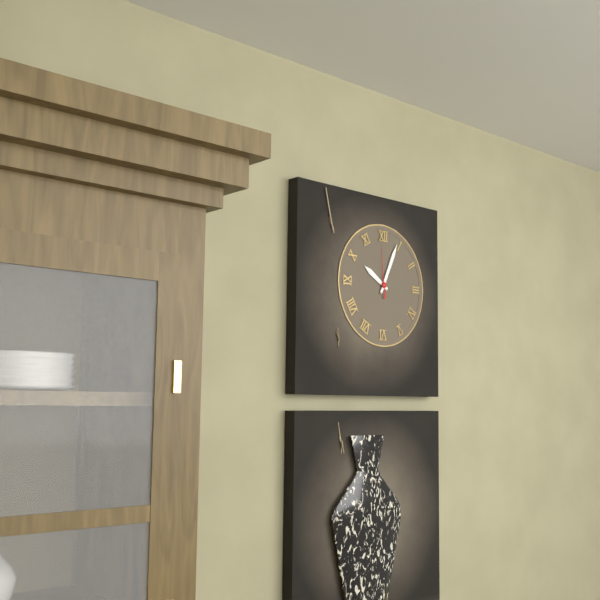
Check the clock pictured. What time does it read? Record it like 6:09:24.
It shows 10:04:59
